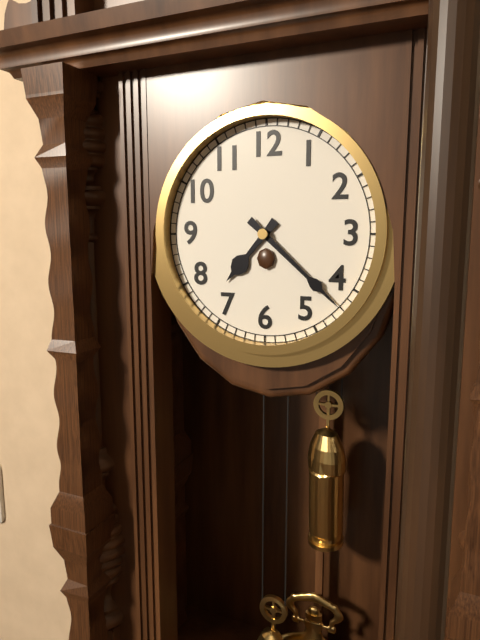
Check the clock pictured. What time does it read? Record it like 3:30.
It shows 7:22
